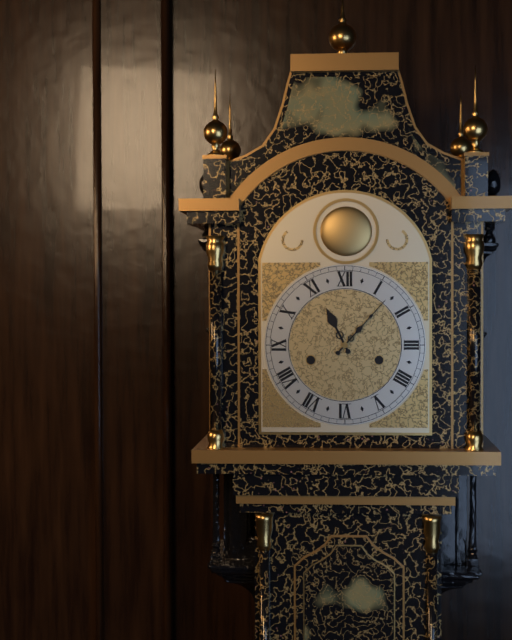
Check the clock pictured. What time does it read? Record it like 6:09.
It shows 11:07
